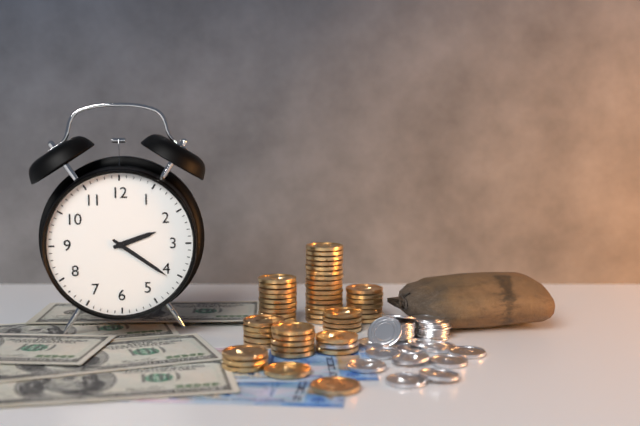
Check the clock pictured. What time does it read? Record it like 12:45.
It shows 2:21
